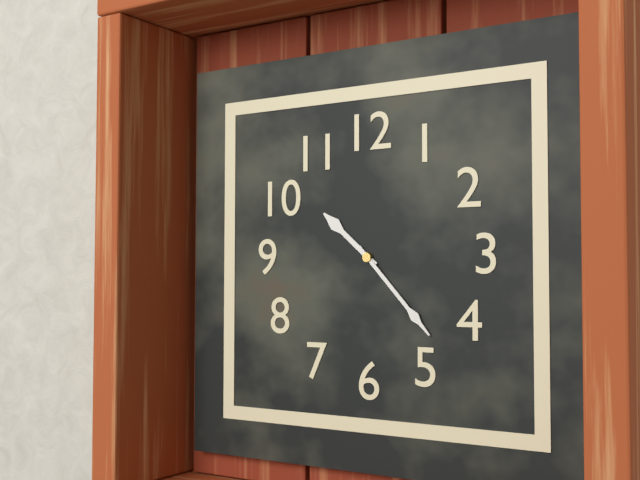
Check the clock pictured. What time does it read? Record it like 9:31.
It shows 10:23
